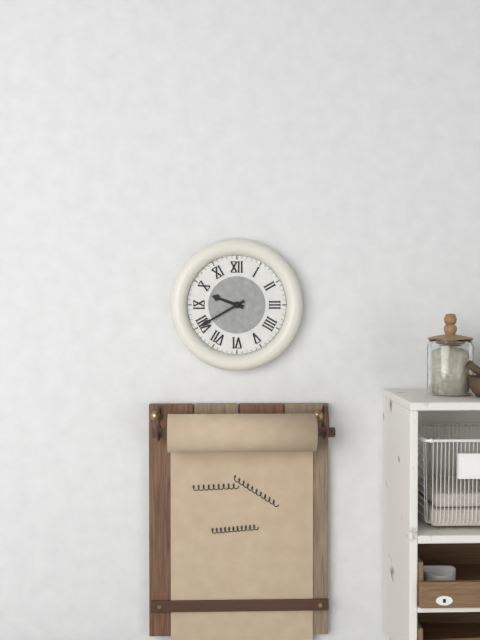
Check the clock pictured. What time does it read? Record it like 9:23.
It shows 9:40
